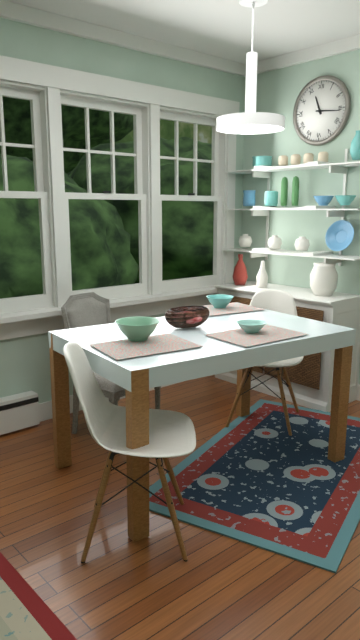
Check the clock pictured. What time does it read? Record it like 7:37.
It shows 11:16
